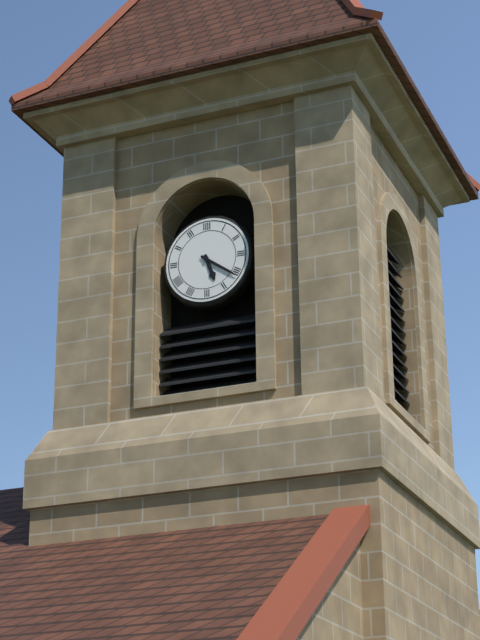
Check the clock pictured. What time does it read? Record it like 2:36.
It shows 5:21
